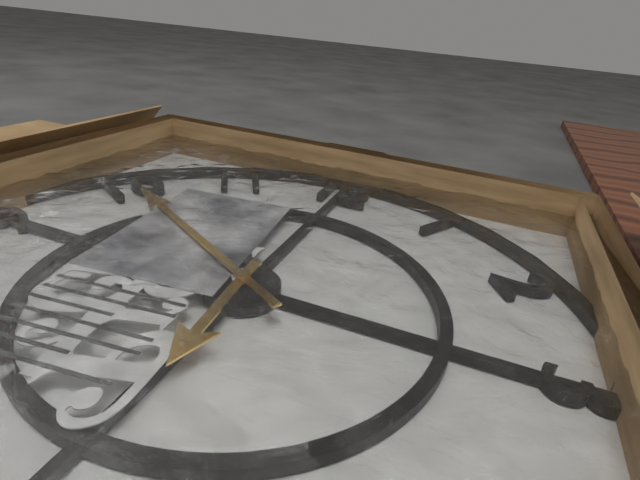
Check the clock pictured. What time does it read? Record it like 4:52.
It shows 5:50
